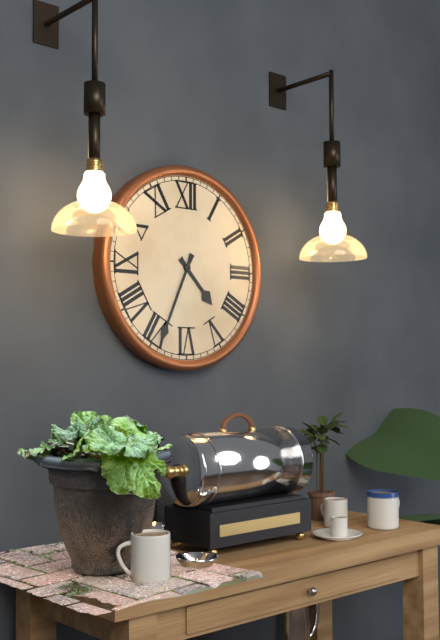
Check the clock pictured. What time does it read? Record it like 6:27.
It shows 4:34
